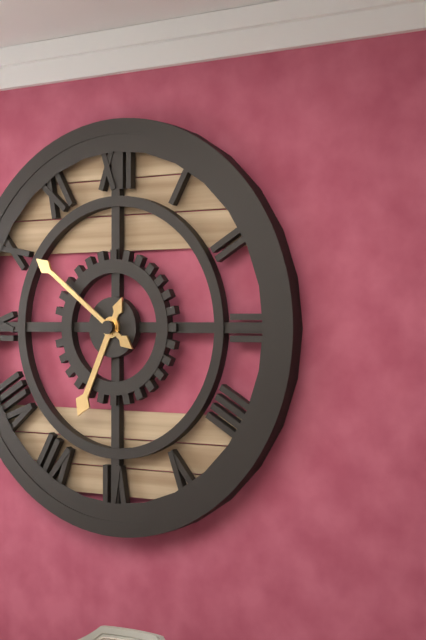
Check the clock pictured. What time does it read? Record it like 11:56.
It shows 6:51
